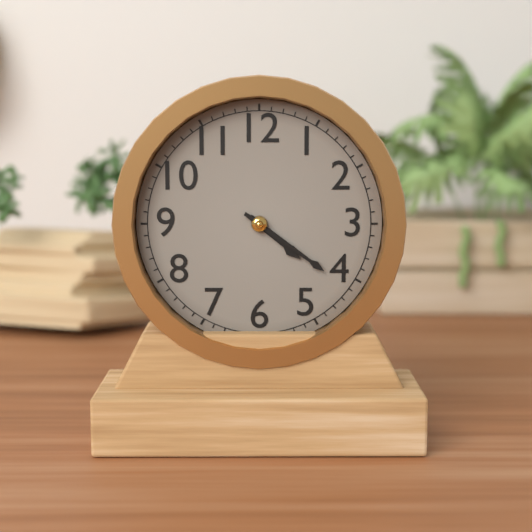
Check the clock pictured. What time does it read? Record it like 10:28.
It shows 4:21
